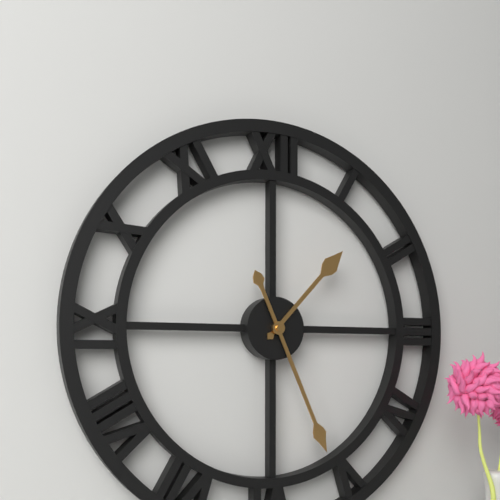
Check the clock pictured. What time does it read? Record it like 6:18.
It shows 1:26
